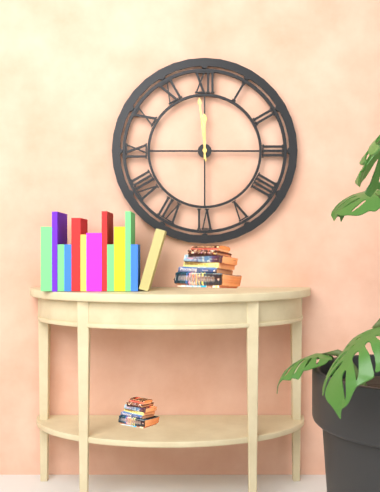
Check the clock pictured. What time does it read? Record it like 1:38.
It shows 11:59
